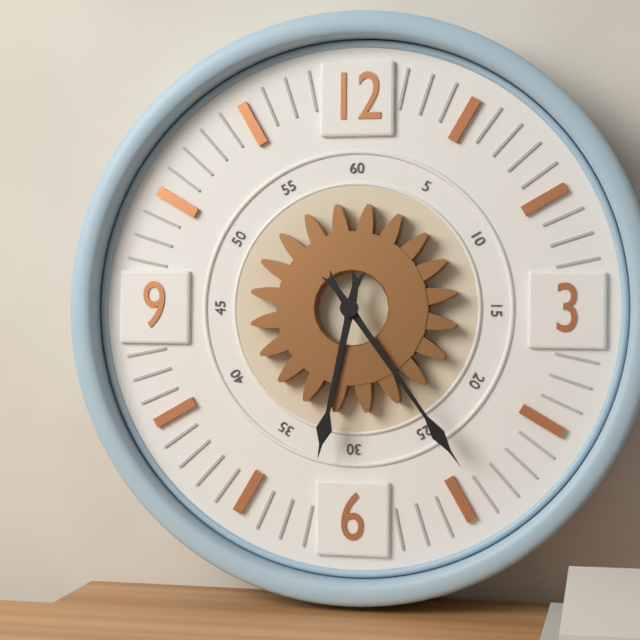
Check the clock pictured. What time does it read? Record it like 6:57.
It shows 6:24
